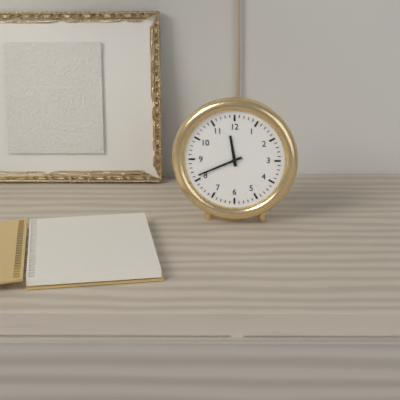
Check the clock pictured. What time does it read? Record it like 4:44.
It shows 11:41
